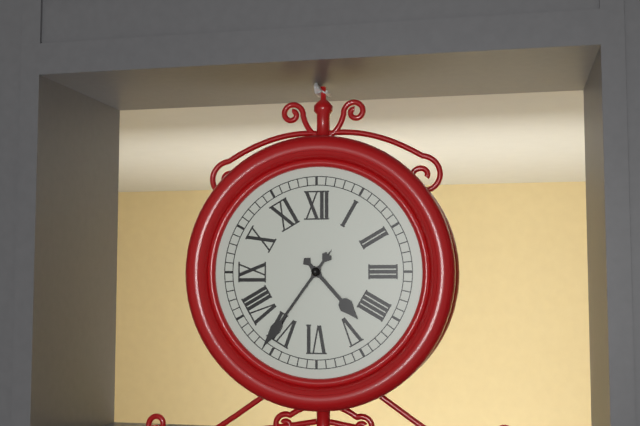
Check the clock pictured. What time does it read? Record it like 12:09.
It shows 4:36
